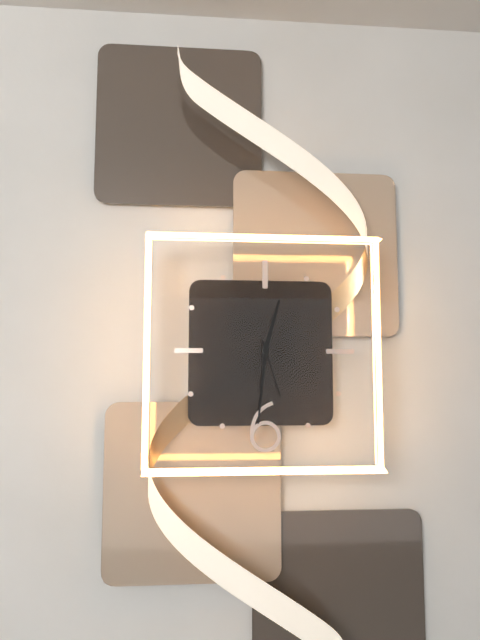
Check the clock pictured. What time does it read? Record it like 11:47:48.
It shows 12:31:27
